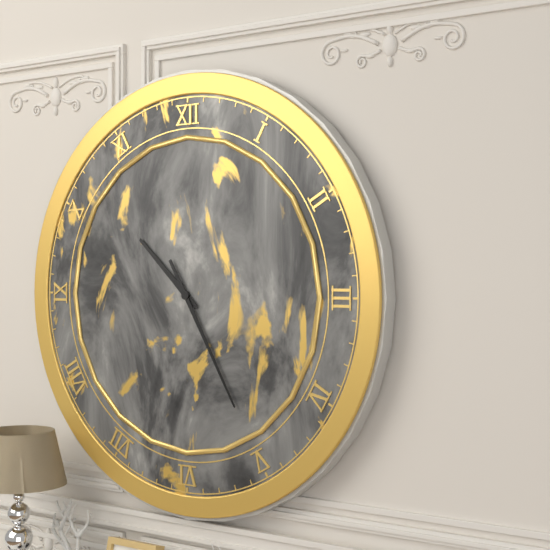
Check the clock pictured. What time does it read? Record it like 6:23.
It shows 10:25
